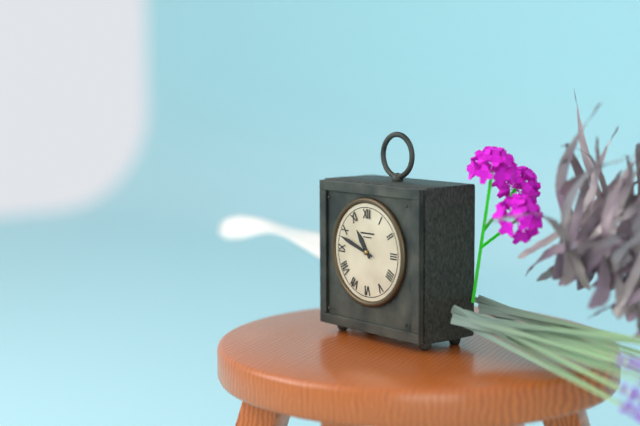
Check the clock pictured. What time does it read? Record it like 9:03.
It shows 10:48
